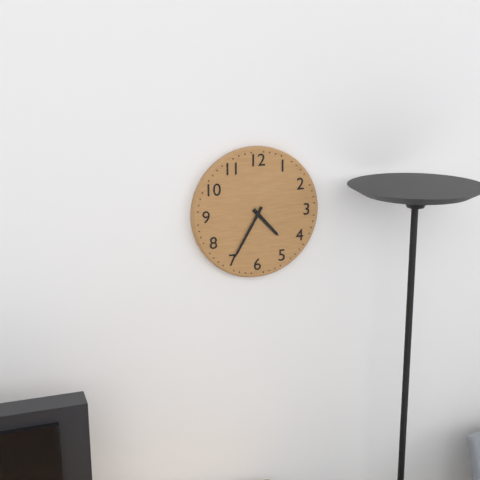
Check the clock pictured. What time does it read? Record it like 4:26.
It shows 4:35
